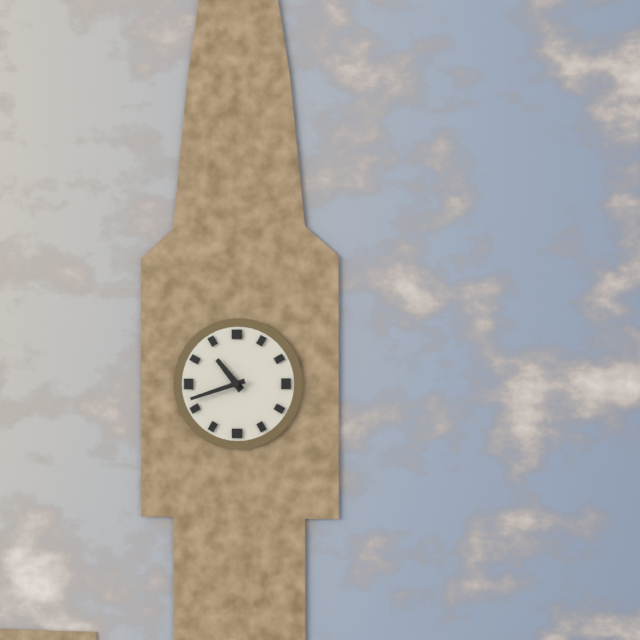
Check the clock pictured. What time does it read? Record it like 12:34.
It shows 10:42
